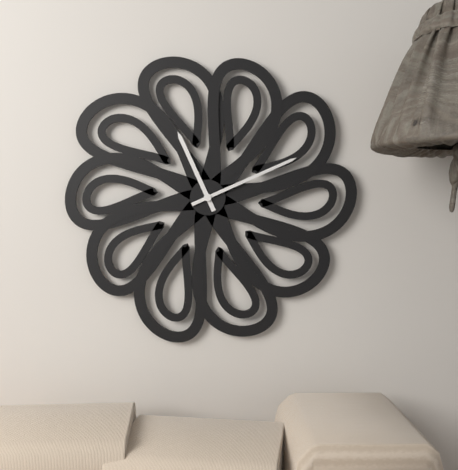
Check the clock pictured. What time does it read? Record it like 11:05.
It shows 11:11
